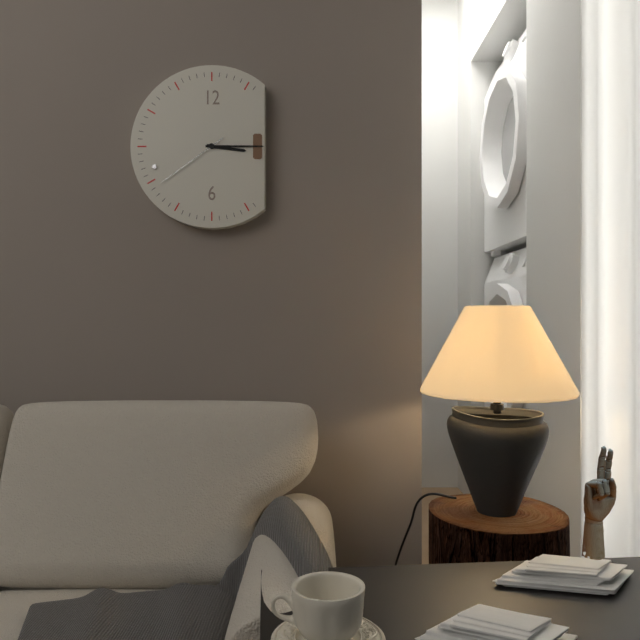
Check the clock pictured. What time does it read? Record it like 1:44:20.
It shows 3:15:39
